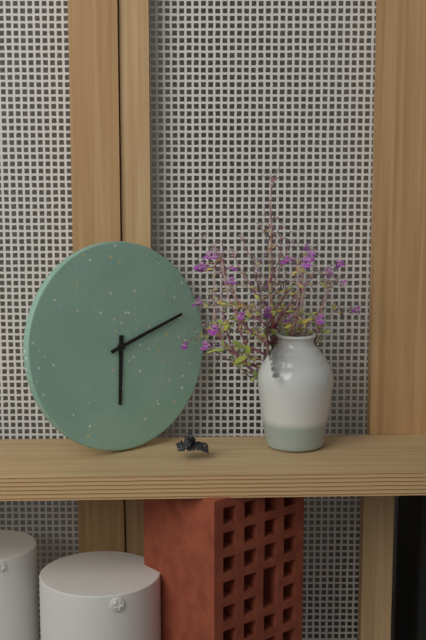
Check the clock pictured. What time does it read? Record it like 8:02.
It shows 6:12
